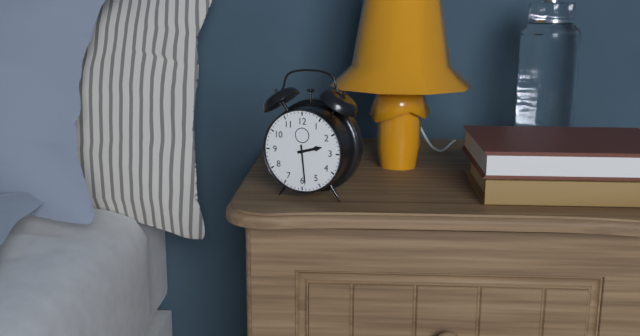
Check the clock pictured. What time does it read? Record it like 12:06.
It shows 2:29
